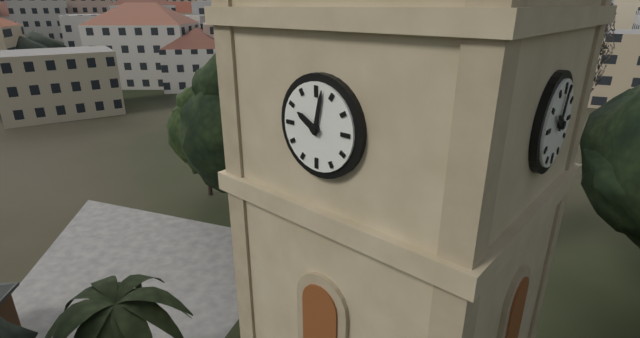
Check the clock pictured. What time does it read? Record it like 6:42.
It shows 10:02
